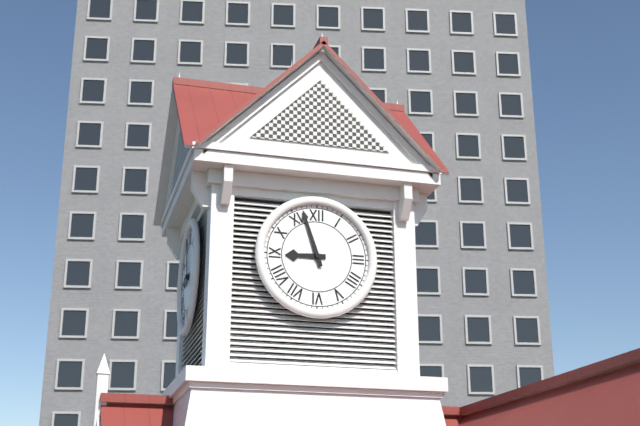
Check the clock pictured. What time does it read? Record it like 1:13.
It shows 8:57
